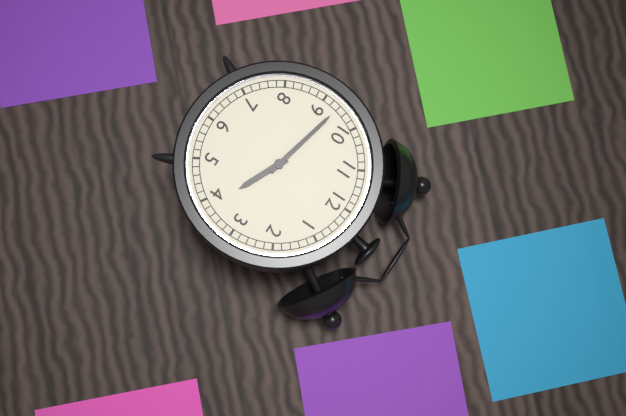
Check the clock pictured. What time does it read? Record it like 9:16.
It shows 3:47
